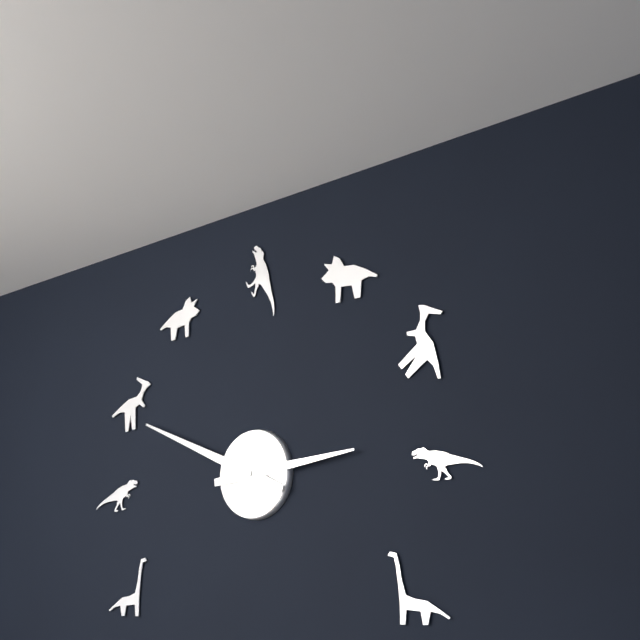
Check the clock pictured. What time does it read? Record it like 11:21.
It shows 2:49
